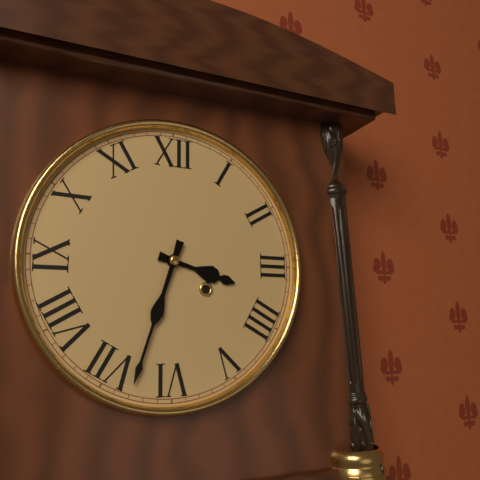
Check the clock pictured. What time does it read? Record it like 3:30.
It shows 3:33
